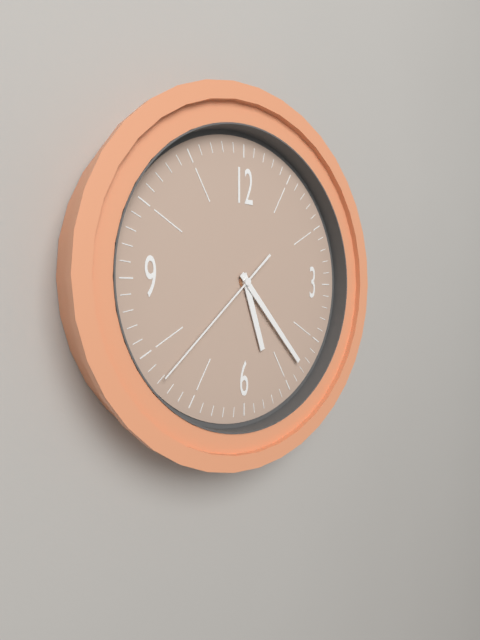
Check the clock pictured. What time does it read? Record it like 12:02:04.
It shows 5:23:38
